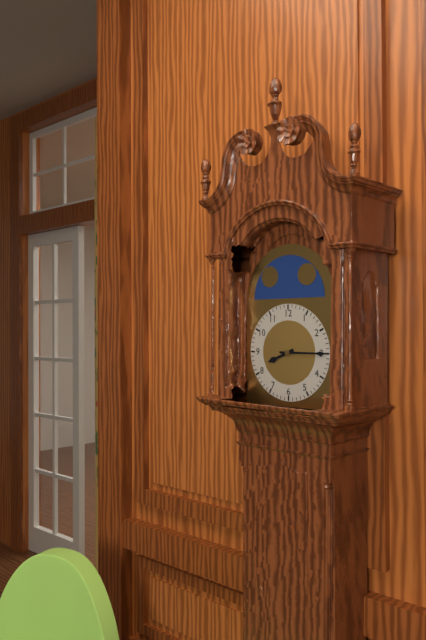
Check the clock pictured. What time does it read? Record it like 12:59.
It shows 8:15
